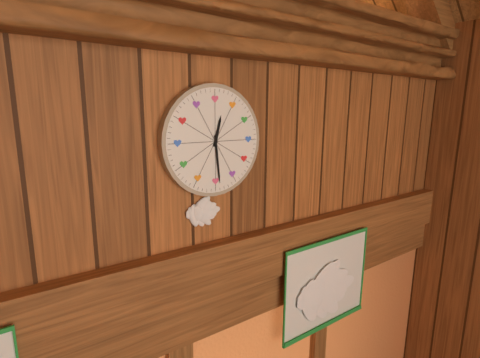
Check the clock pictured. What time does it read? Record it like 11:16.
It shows 12:29
